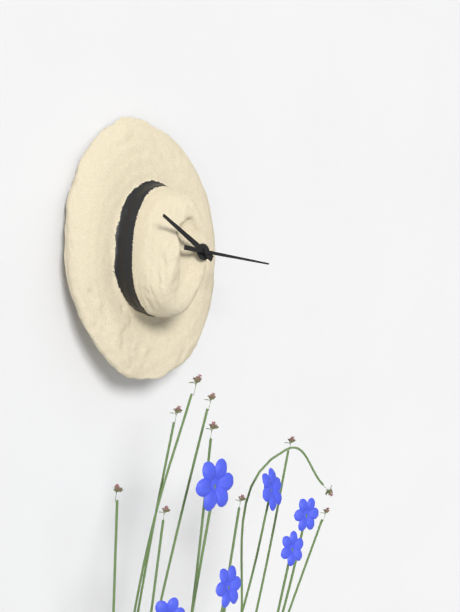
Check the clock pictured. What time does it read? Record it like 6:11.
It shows 10:17
